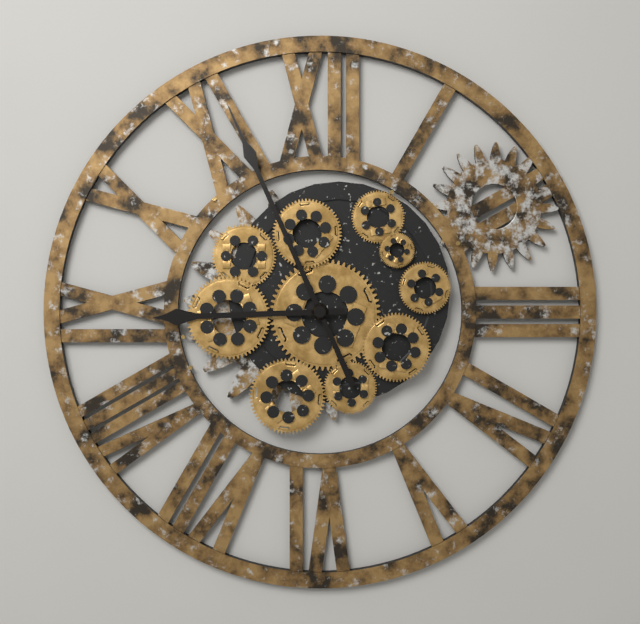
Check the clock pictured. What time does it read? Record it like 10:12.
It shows 8:56
